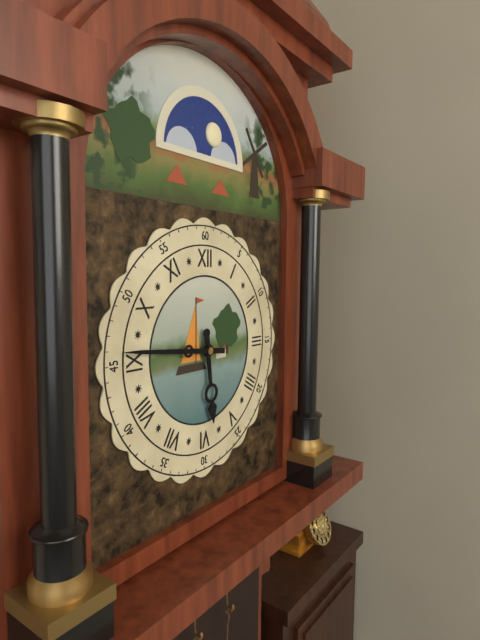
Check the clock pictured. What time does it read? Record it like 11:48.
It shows 5:46
